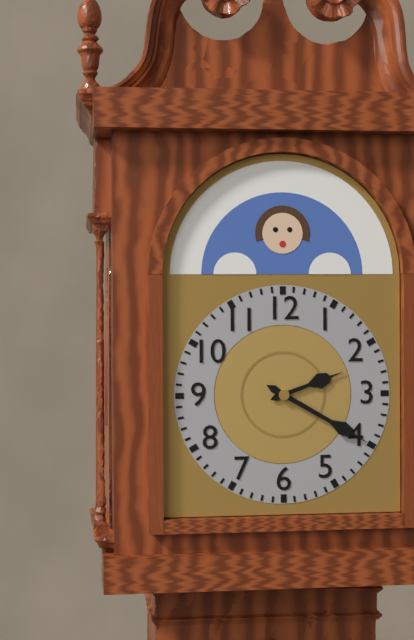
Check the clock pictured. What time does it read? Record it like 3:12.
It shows 2:20
